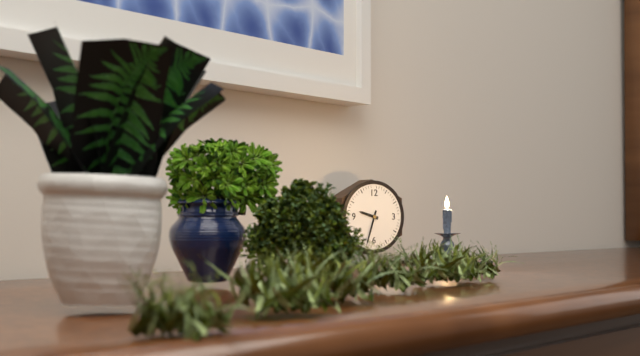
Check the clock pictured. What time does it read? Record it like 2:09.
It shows 9:33
